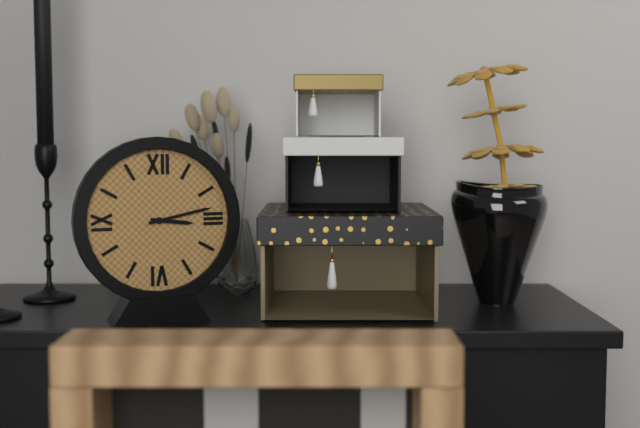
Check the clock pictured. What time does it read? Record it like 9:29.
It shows 3:13
